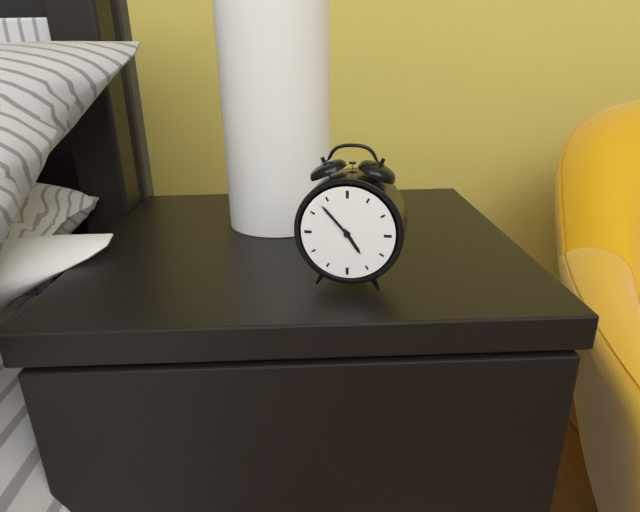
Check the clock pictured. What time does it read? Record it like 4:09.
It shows 4:53
